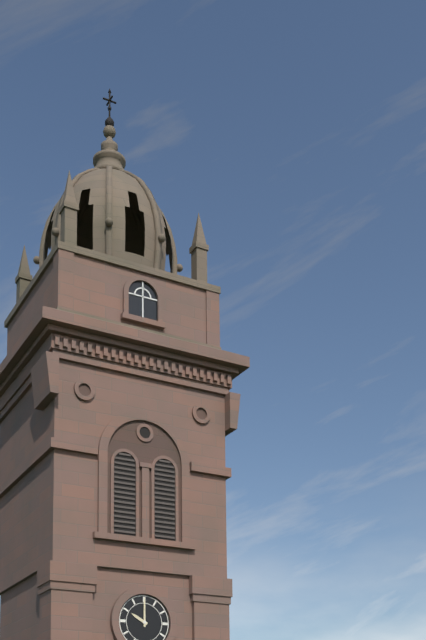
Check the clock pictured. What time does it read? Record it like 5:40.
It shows 10:00
